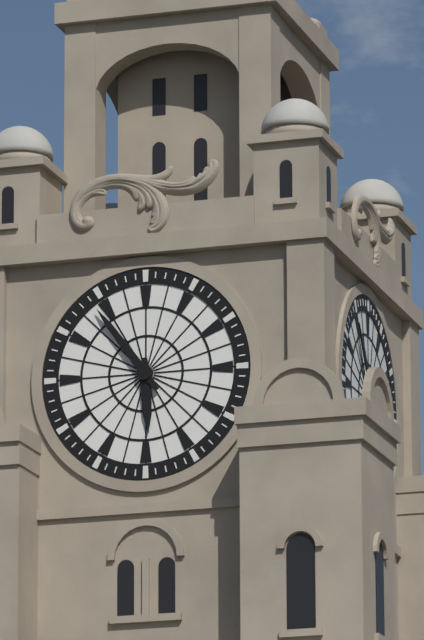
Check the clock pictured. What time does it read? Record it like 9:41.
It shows 5:54
